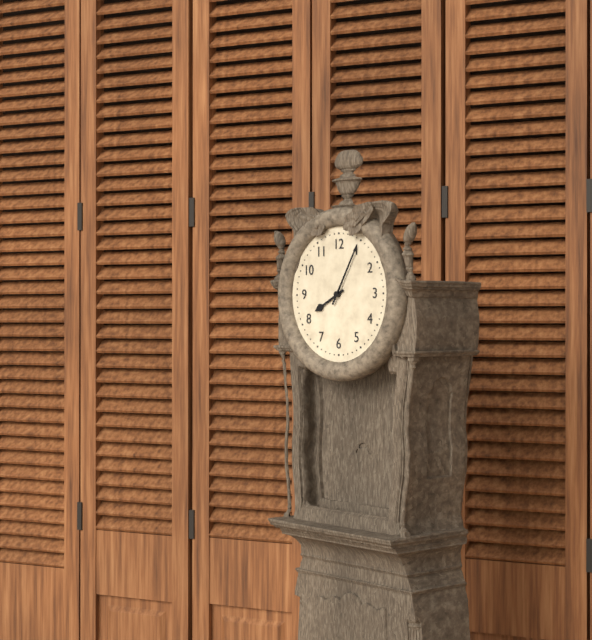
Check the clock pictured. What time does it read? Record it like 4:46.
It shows 8:05
